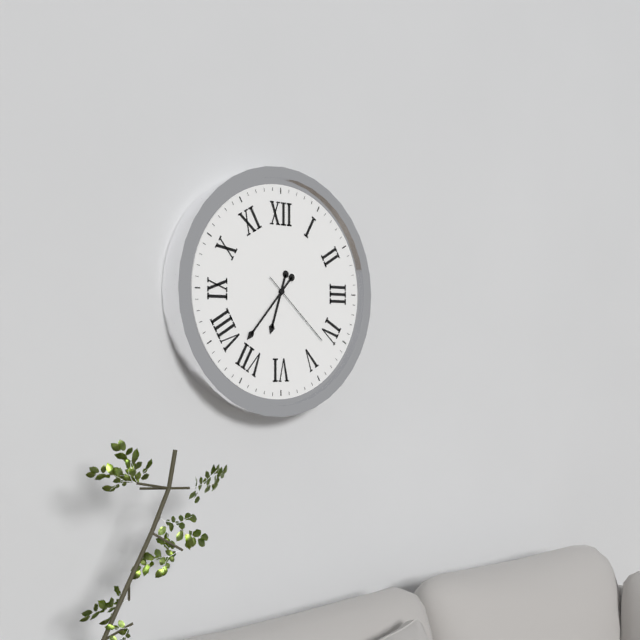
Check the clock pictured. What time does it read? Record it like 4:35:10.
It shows 6:37:22
